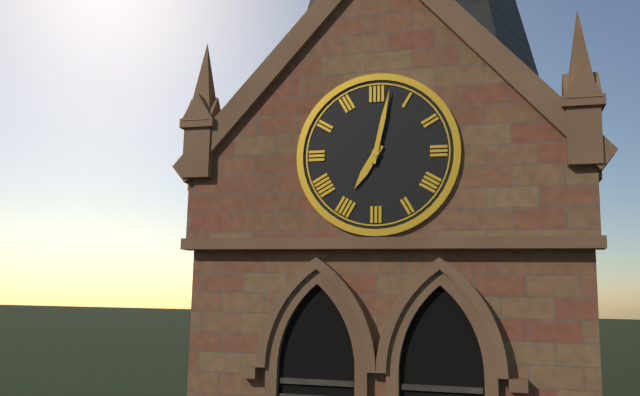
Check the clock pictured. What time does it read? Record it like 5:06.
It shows 7:02
